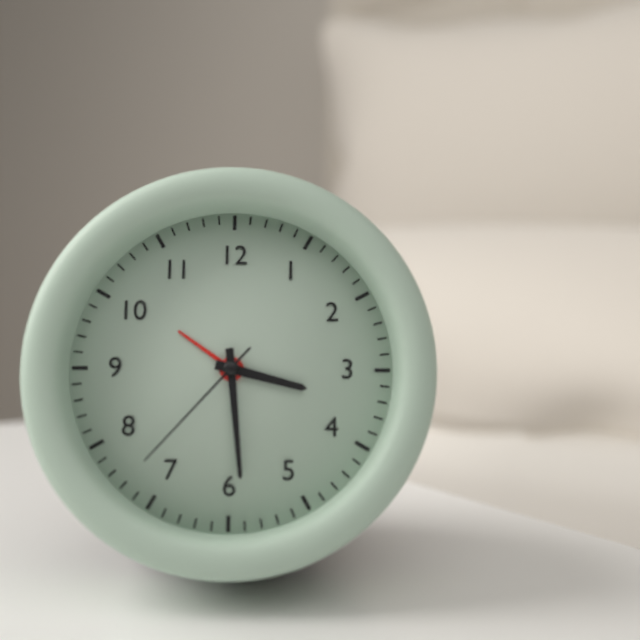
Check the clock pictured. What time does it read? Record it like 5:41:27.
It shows 3:29:37
